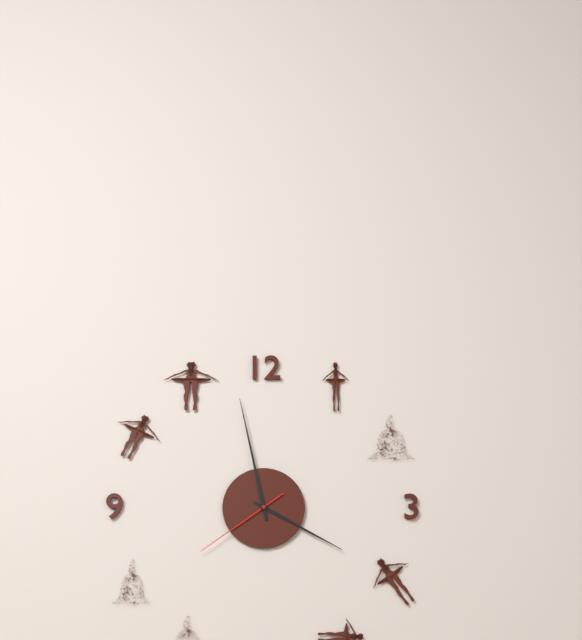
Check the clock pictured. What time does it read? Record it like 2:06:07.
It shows 3:58:39
